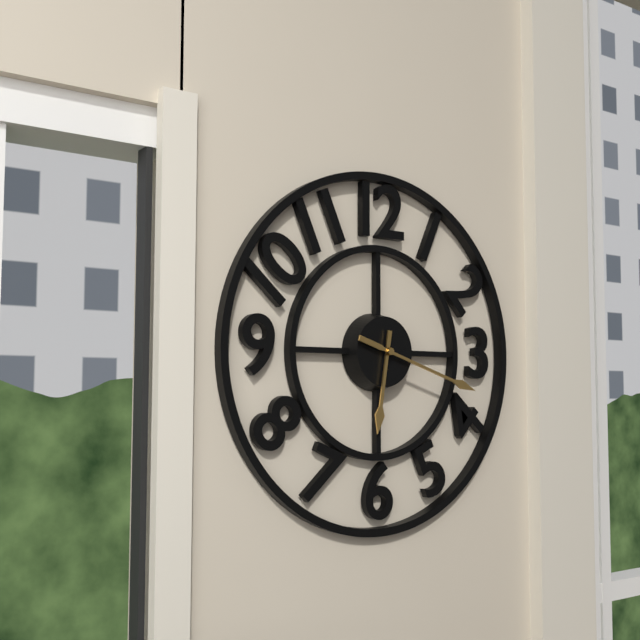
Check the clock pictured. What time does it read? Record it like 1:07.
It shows 6:18
